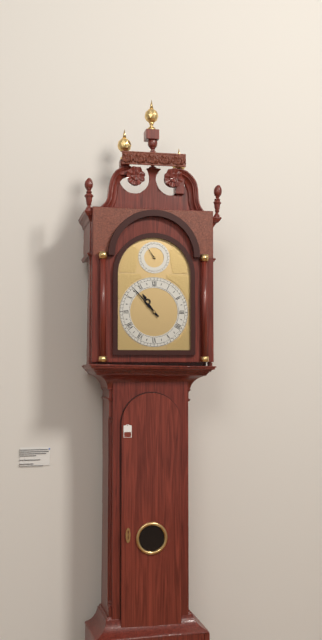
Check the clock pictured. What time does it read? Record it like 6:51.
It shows 10:53
